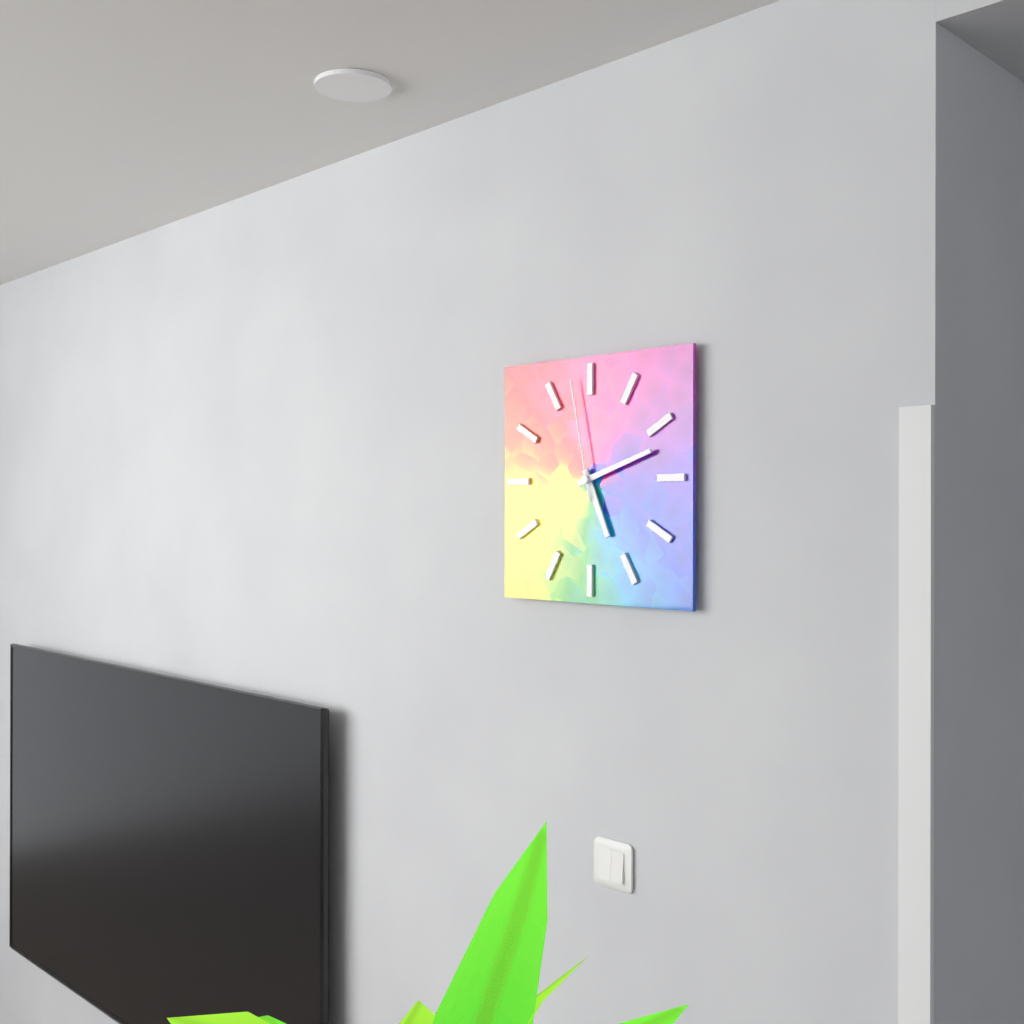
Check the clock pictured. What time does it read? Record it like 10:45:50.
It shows 5:12:58
